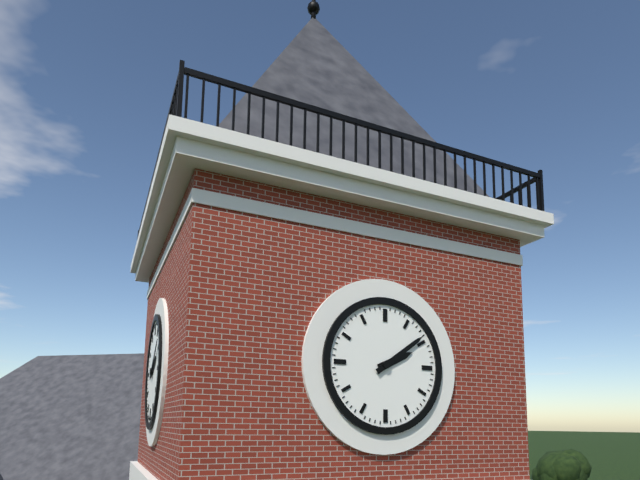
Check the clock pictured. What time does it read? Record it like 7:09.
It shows 2:09
